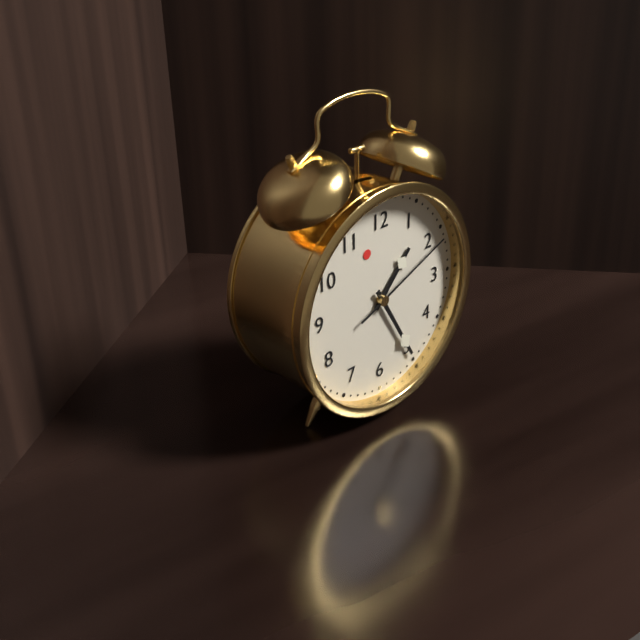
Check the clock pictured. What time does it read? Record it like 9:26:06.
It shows 1:25:11
